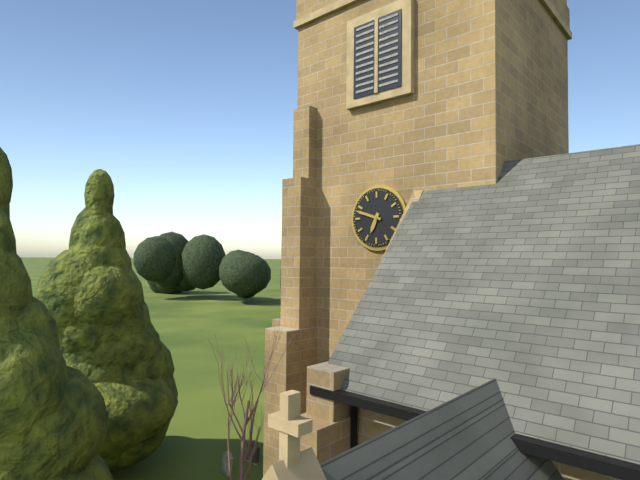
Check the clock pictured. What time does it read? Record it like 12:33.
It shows 6:48
